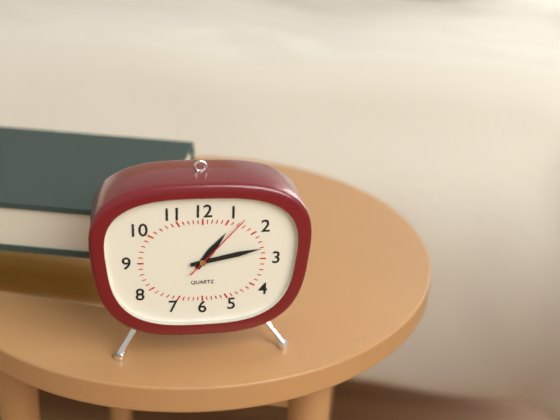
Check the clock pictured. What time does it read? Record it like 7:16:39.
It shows 1:13:07
